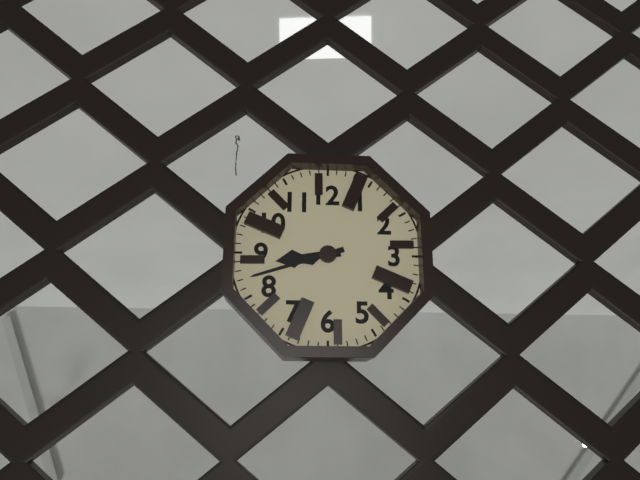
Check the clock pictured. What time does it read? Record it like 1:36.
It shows 8:42
